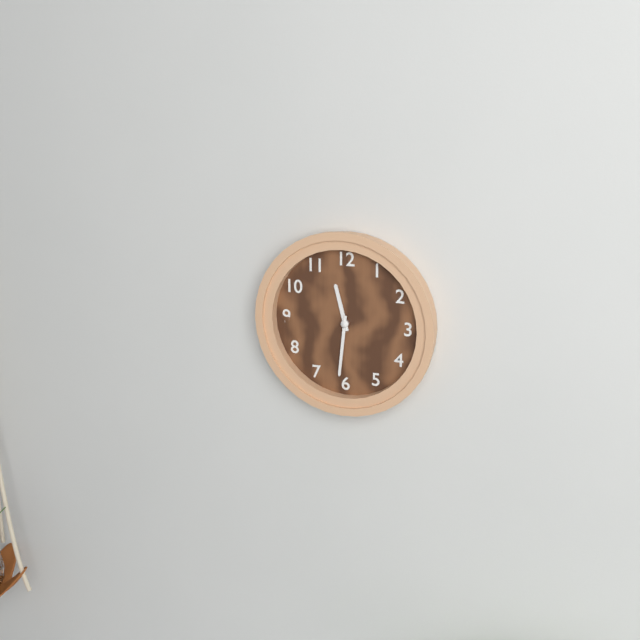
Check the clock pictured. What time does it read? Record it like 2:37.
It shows 11:31
